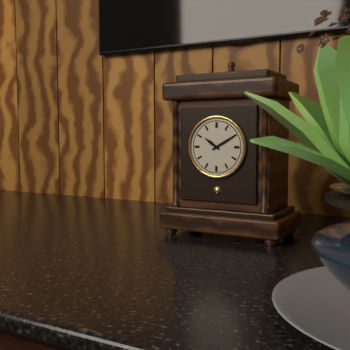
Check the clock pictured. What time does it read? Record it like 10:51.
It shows 10:10
